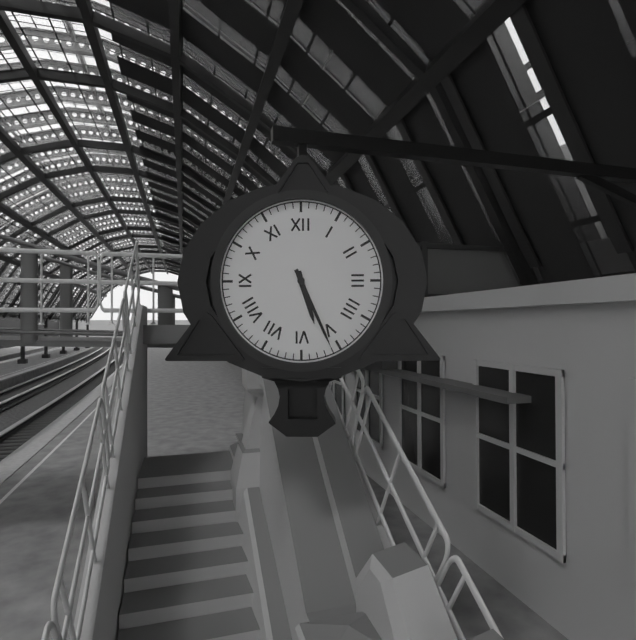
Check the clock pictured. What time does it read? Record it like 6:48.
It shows 5:26
